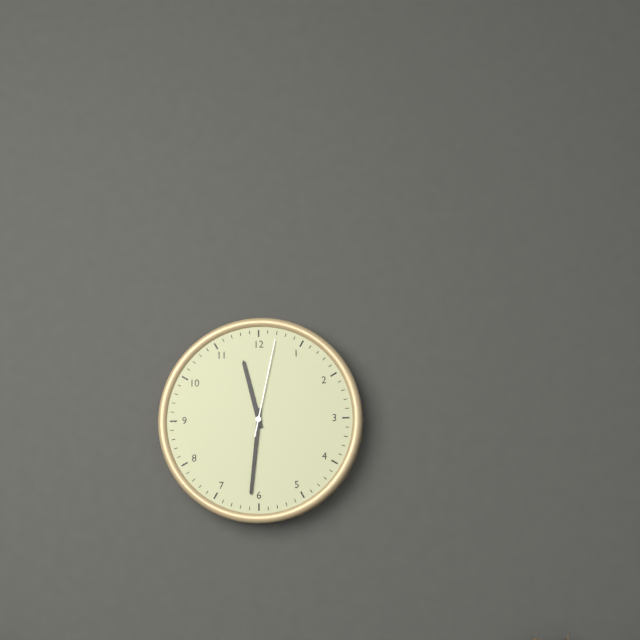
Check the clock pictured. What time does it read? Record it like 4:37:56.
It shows 11:31:02
